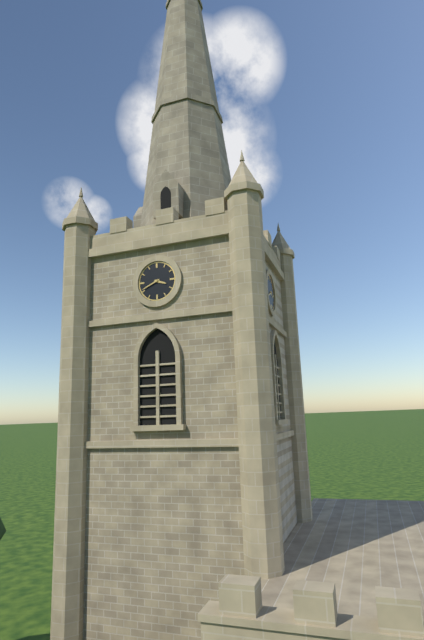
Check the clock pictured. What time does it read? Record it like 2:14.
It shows 3:41
